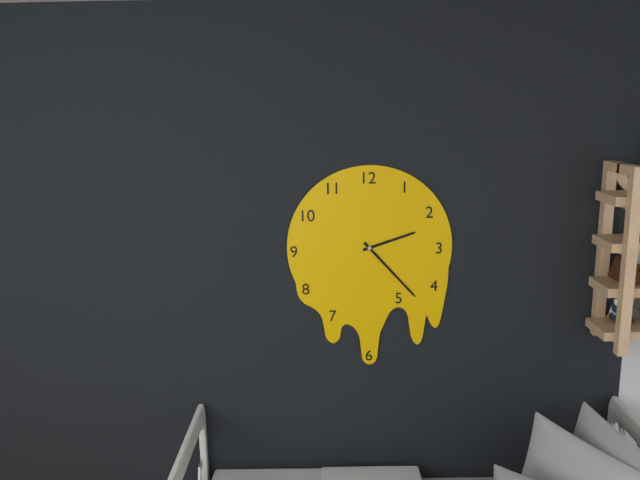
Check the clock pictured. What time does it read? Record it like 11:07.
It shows 2:23
